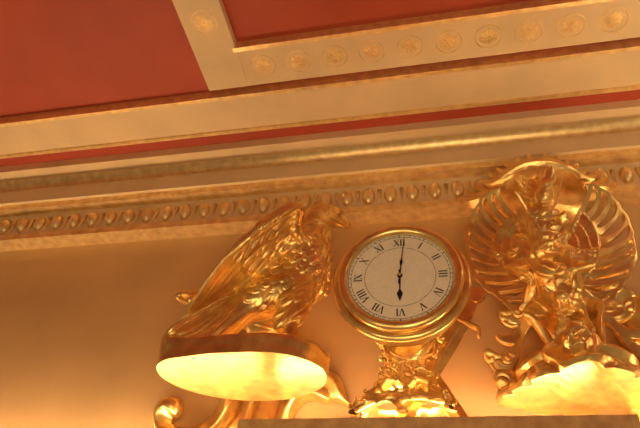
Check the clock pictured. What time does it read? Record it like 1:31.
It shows 6:01
